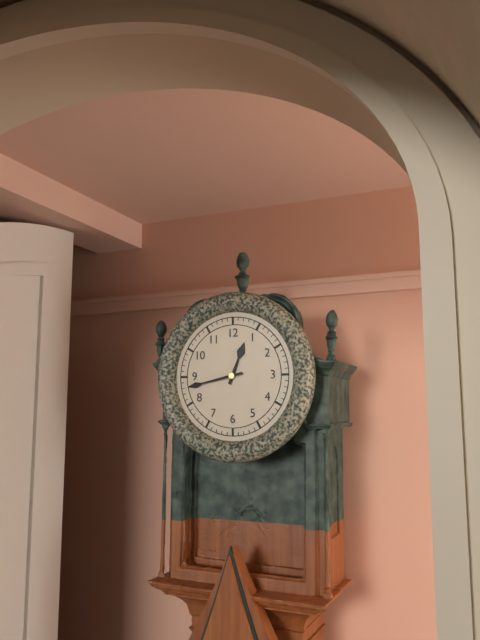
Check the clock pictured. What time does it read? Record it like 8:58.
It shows 12:43
